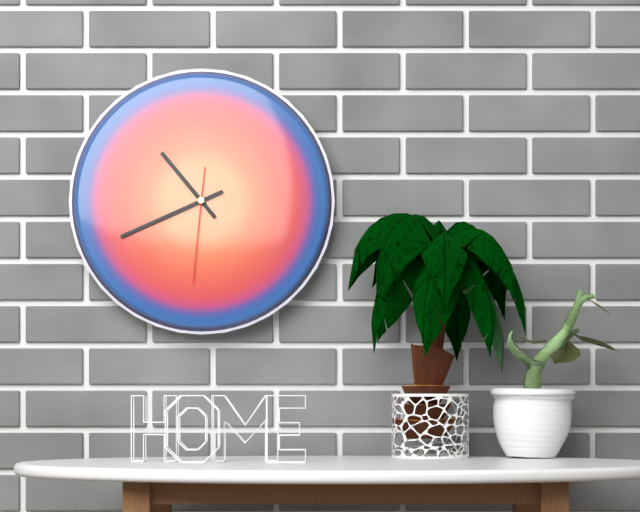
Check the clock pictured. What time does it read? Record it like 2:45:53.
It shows 10:41:31
